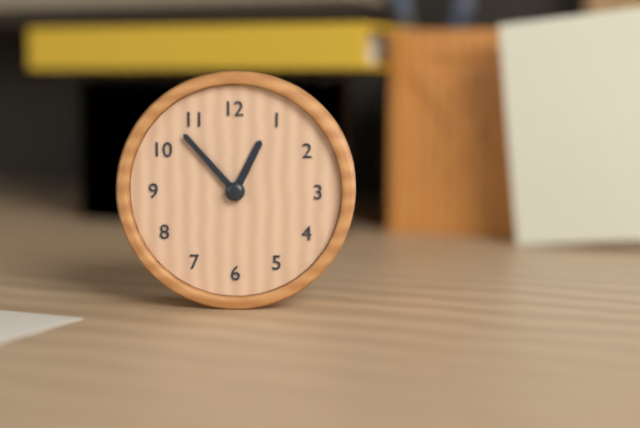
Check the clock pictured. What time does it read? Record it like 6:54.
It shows 12:53
